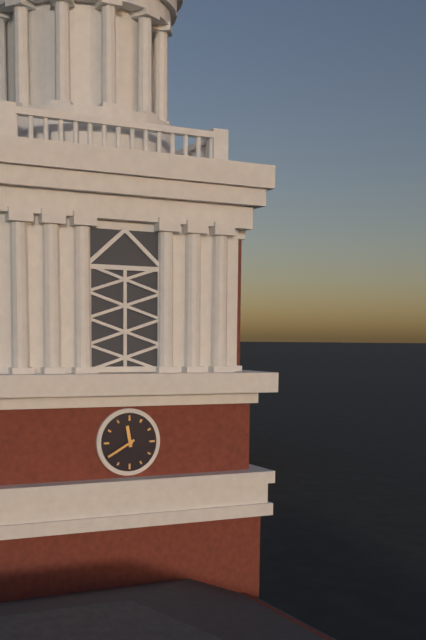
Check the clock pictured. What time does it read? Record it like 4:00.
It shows 11:40
